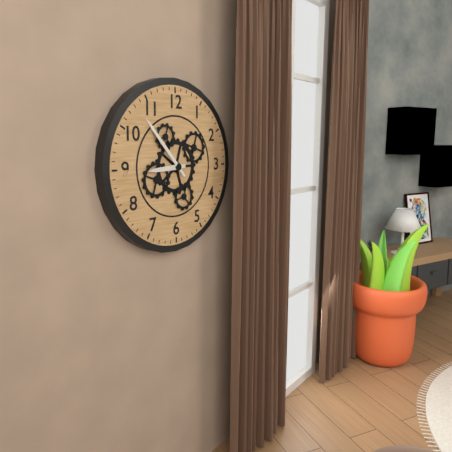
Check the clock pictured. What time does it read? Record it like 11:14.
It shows 8:53
